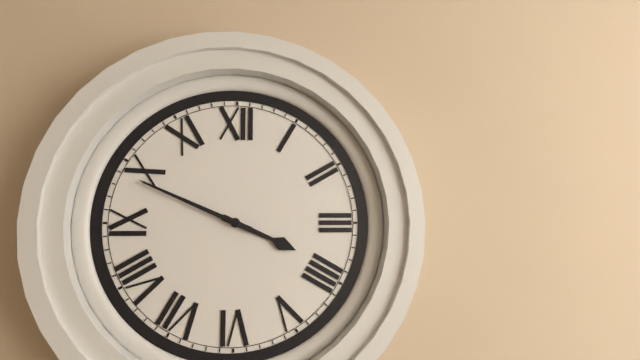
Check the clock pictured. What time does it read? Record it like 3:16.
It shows 3:49
